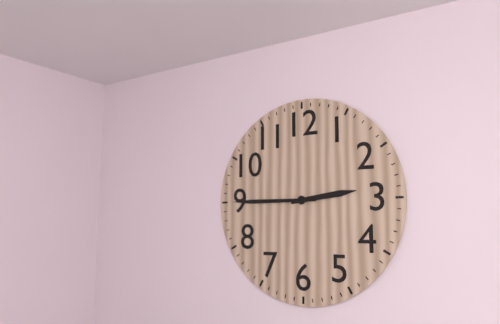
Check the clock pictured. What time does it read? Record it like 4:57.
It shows 2:45
